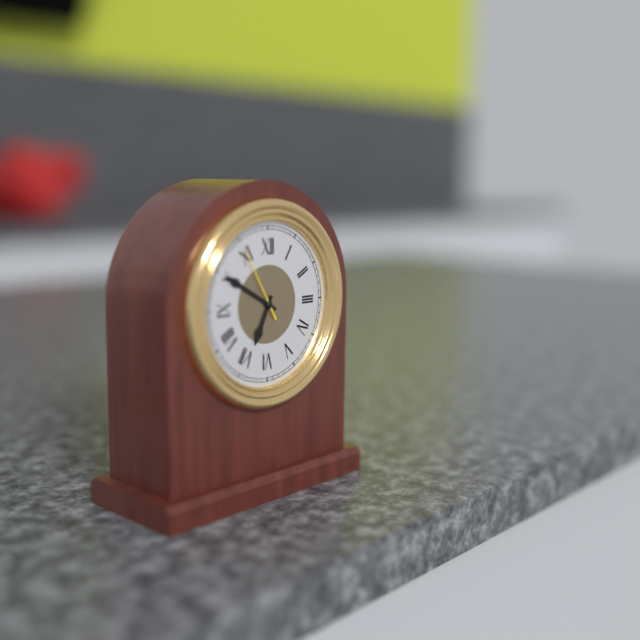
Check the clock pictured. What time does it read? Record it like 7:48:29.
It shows 6:50:55
